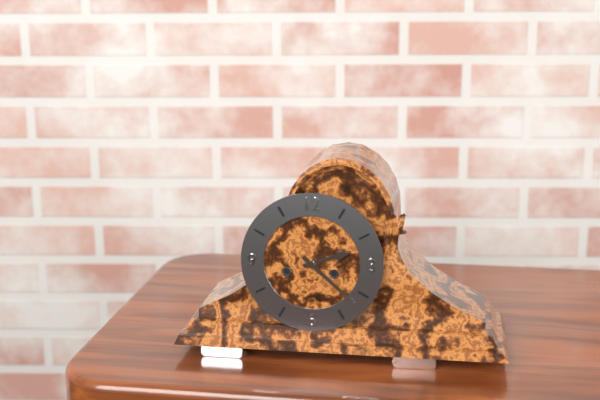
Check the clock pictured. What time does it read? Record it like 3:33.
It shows 2:22
